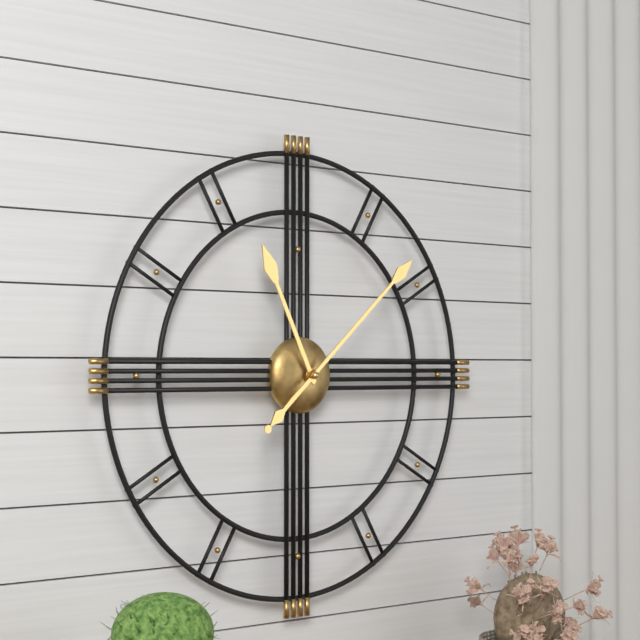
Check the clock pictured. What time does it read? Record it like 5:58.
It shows 11:08
